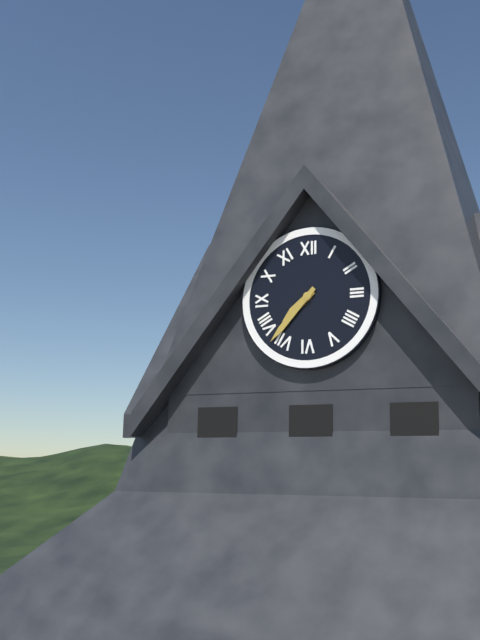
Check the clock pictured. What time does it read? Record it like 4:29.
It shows 7:37
